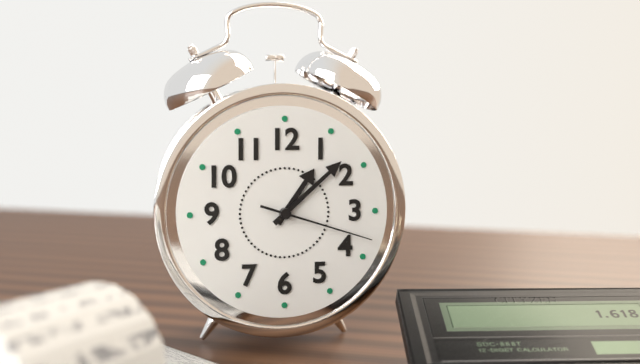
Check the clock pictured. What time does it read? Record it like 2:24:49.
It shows 1:08:18
